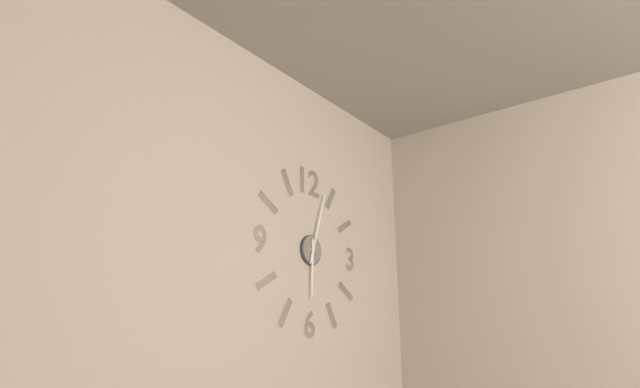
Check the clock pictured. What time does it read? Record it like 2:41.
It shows 6:03
